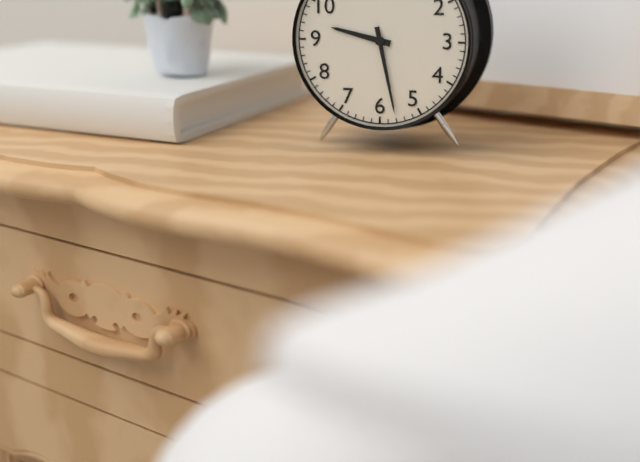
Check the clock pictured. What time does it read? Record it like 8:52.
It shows 9:28
